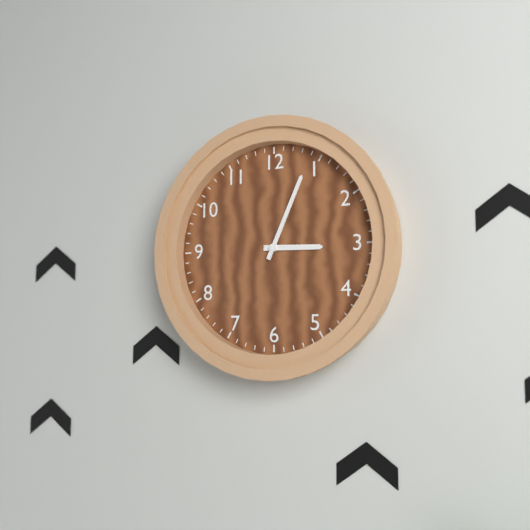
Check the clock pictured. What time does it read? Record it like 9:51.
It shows 3:04
